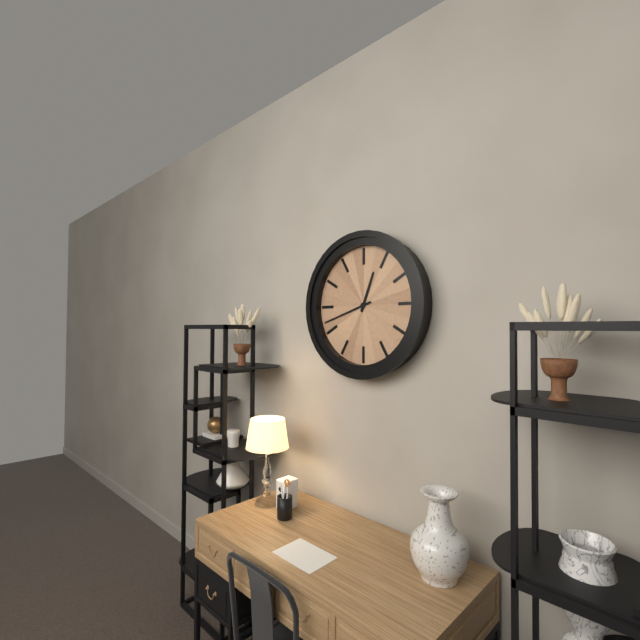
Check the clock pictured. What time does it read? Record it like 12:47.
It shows 12:42
